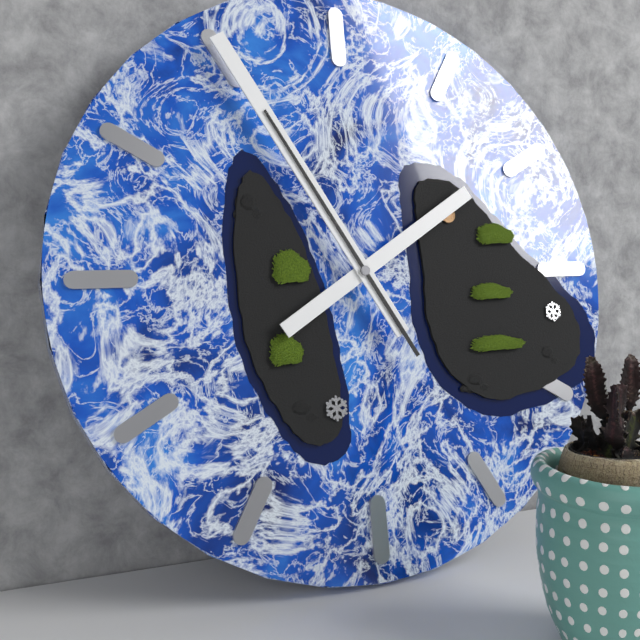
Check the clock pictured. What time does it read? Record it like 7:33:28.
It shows 1:55:55
